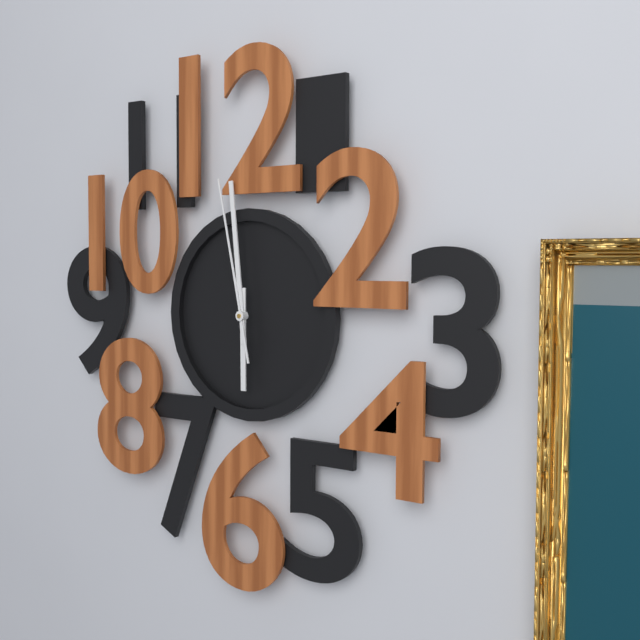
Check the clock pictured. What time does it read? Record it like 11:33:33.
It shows 5:59:58
